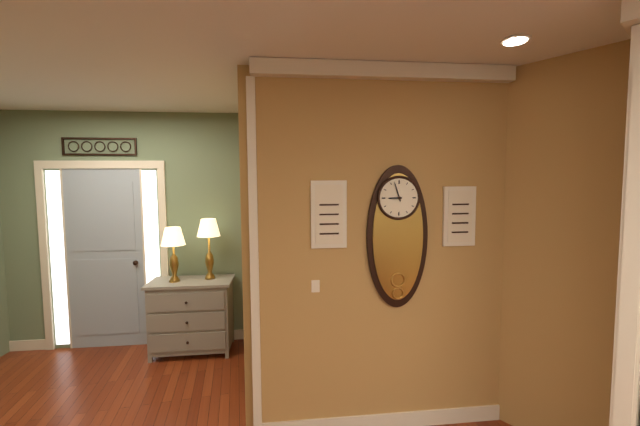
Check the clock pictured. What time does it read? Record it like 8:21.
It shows 8:57
